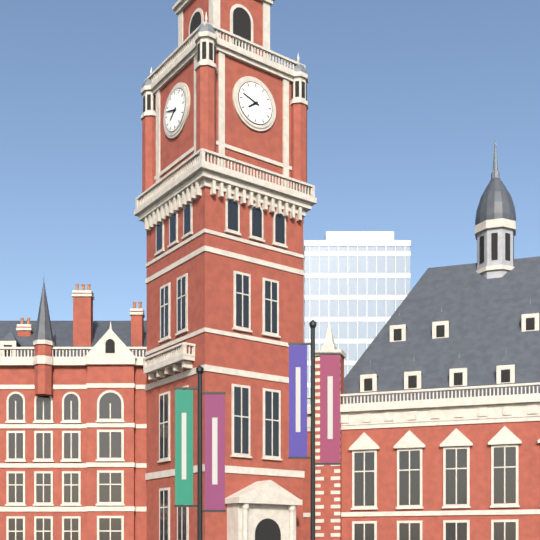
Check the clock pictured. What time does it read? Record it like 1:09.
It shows 7:48
